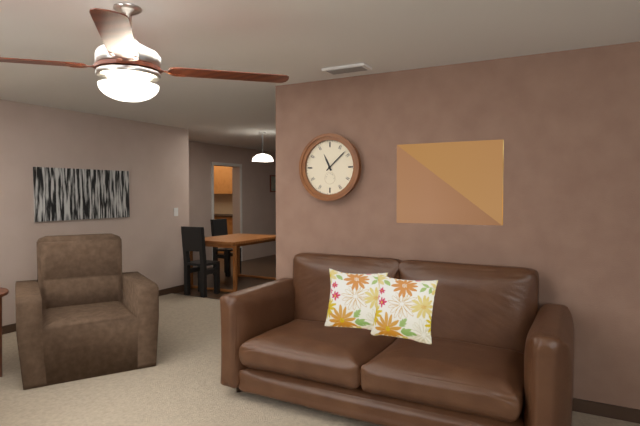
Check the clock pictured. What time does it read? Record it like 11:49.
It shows 11:08
